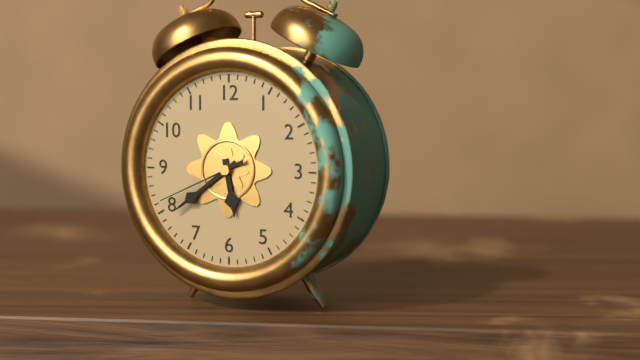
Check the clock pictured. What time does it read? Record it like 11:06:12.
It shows 5:39:41
